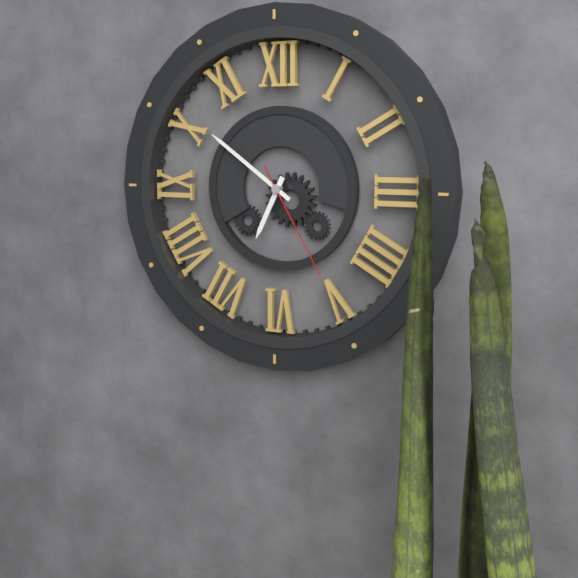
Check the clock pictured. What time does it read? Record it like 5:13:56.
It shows 6:51:25
